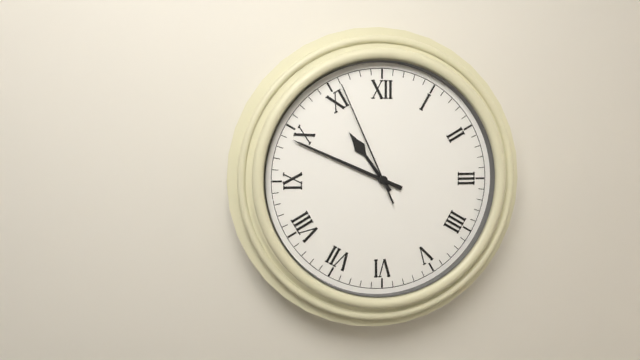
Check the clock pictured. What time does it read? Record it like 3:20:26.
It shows 10:49:56
